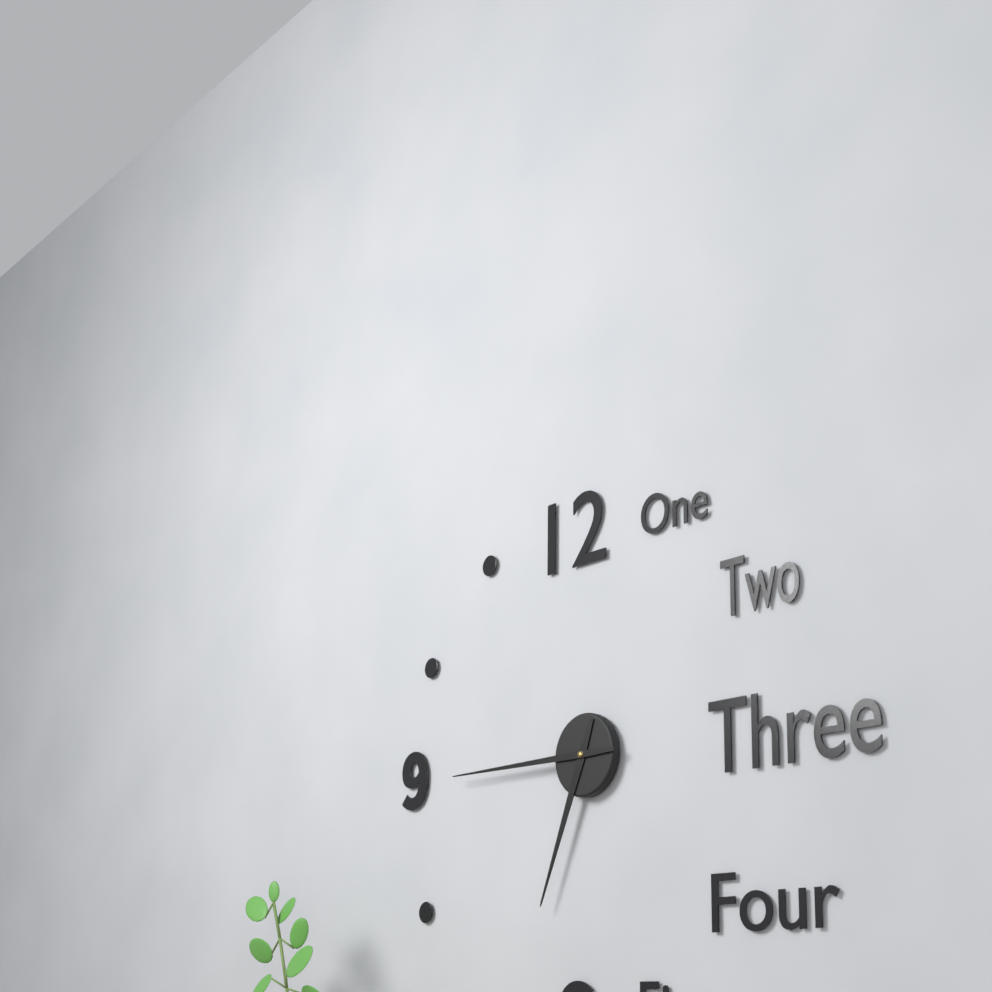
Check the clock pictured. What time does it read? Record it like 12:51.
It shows 6:45
